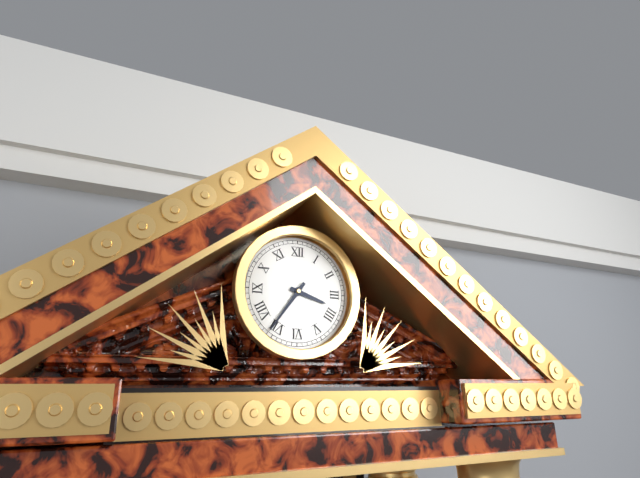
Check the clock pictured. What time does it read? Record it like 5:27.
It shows 3:36
